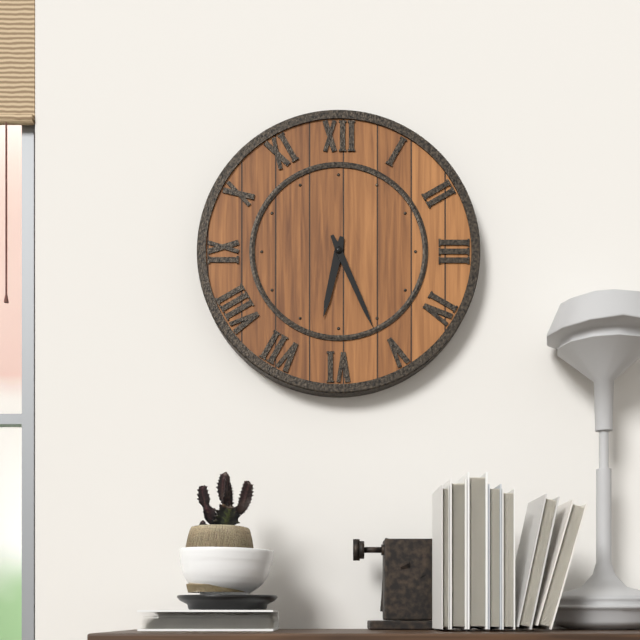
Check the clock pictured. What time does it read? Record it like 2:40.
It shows 6:26
